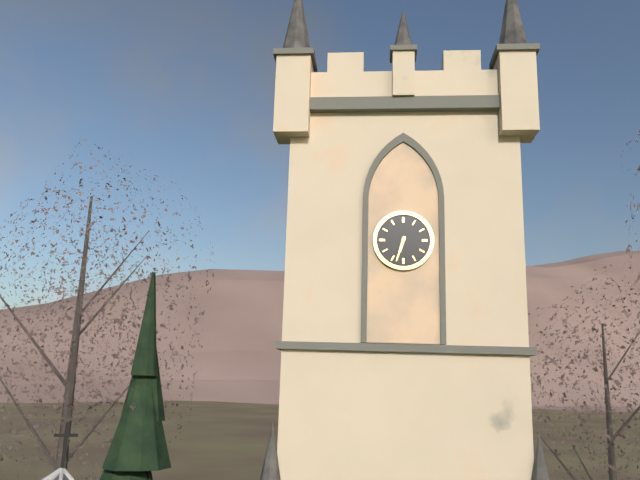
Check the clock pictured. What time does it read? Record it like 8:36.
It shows 6:33
